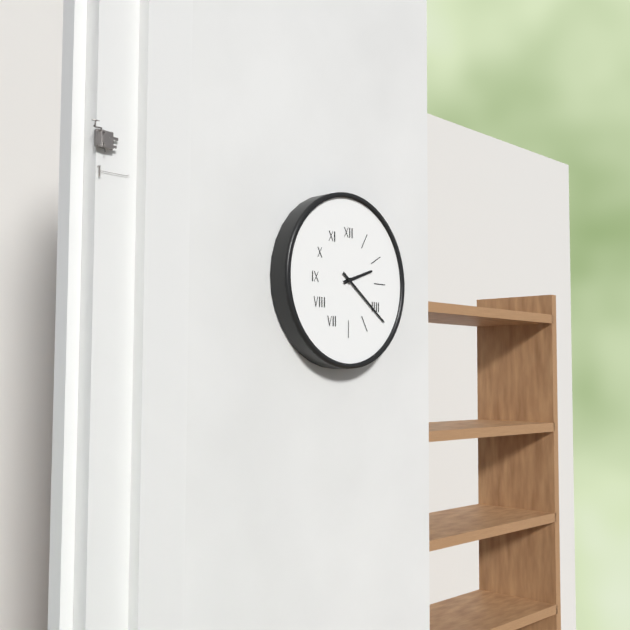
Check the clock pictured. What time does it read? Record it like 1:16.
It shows 2:21
